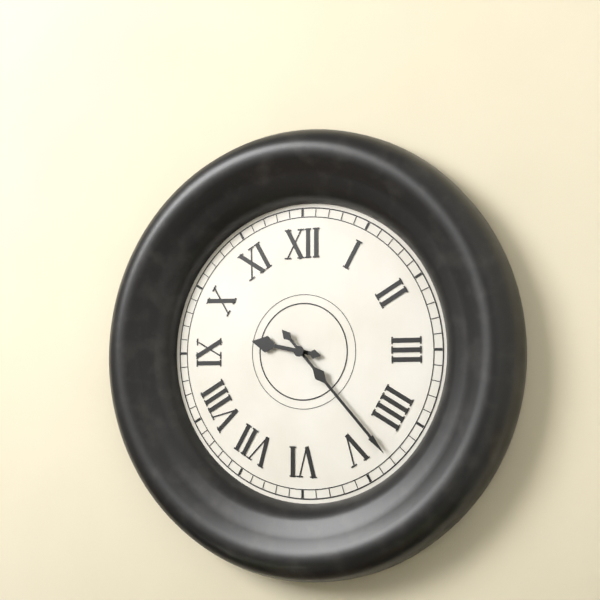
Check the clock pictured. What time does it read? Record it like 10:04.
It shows 9:23
